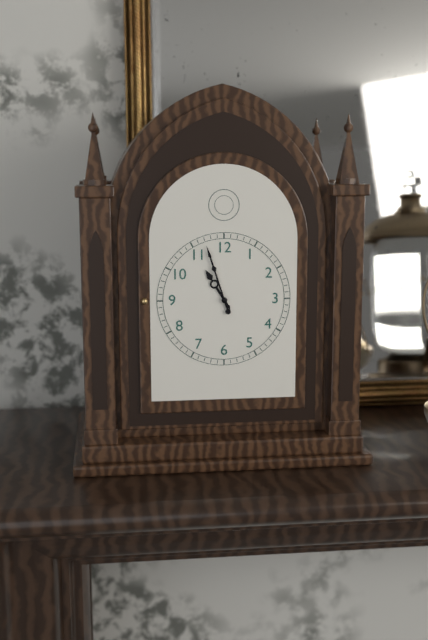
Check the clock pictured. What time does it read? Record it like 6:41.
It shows 10:57
